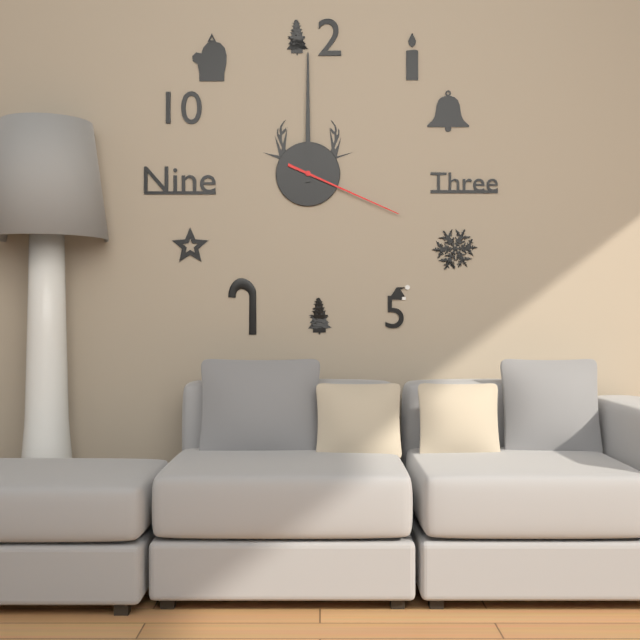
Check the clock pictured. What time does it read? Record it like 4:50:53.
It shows 12:00:19
